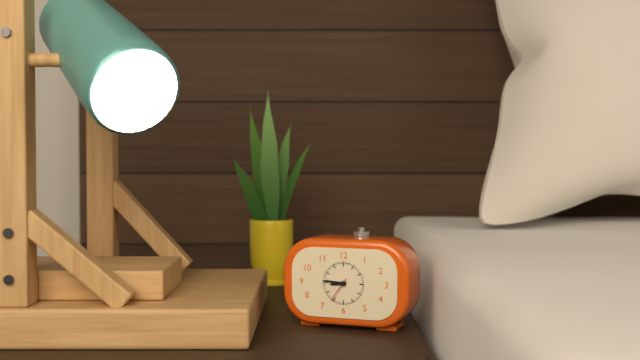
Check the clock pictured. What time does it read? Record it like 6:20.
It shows 8:46
